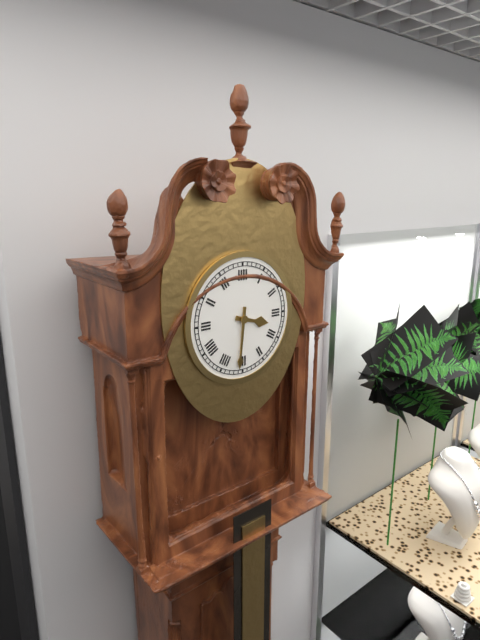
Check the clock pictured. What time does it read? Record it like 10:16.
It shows 3:31
